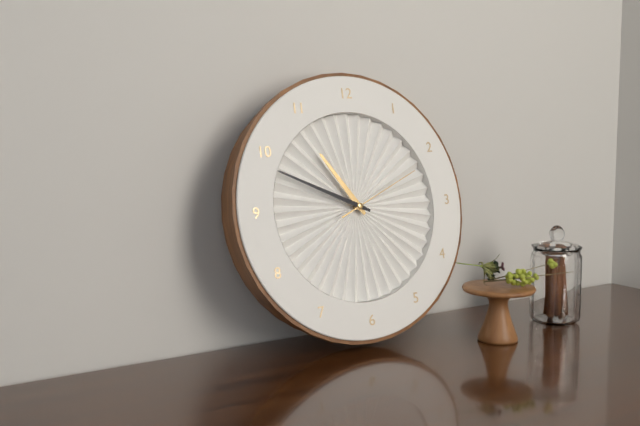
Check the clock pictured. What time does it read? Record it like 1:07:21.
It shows 10:49:11
